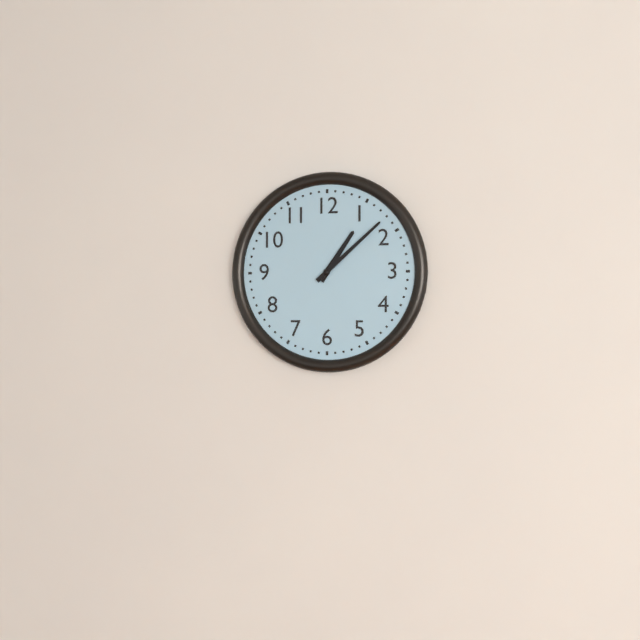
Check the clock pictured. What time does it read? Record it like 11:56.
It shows 1:08
